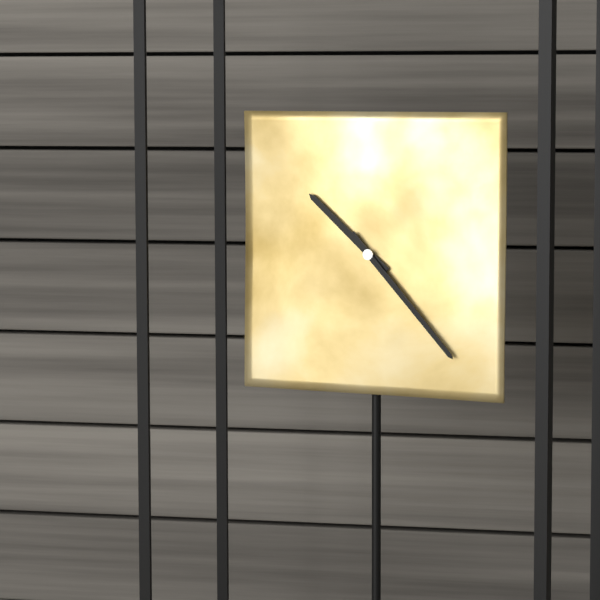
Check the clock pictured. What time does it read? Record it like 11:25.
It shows 10:23
